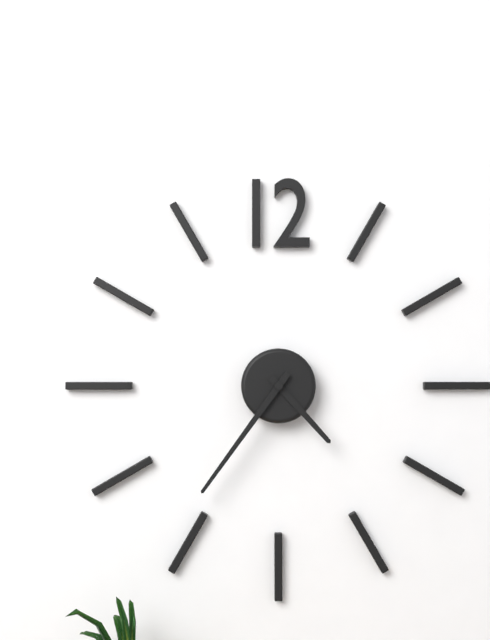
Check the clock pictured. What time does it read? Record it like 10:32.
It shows 4:36
